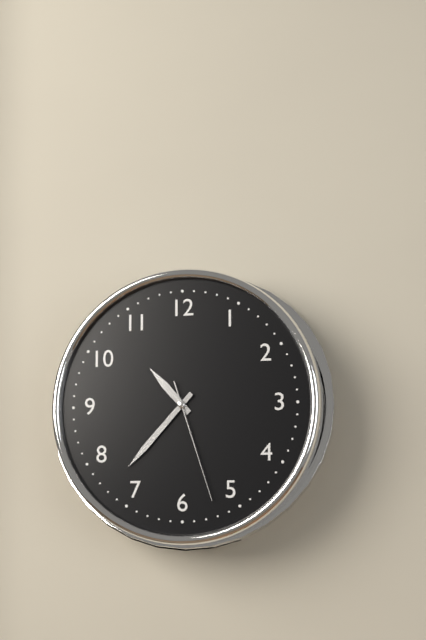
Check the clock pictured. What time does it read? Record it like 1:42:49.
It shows 10:37:27
